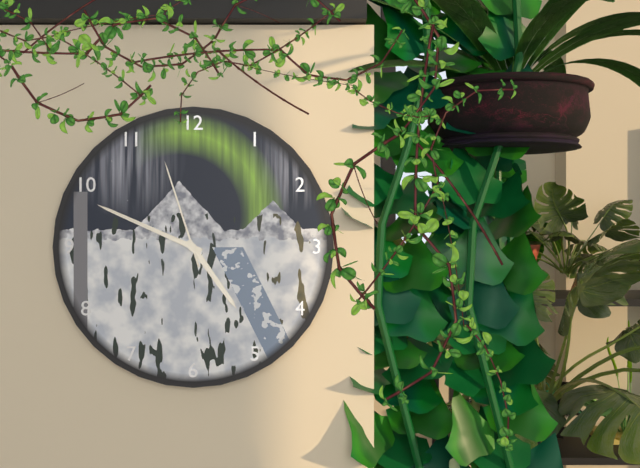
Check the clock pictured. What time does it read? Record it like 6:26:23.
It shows 4:49:57
